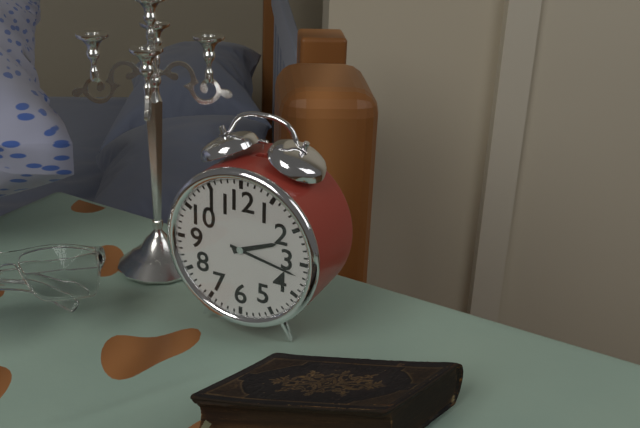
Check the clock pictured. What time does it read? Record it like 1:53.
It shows 2:17
